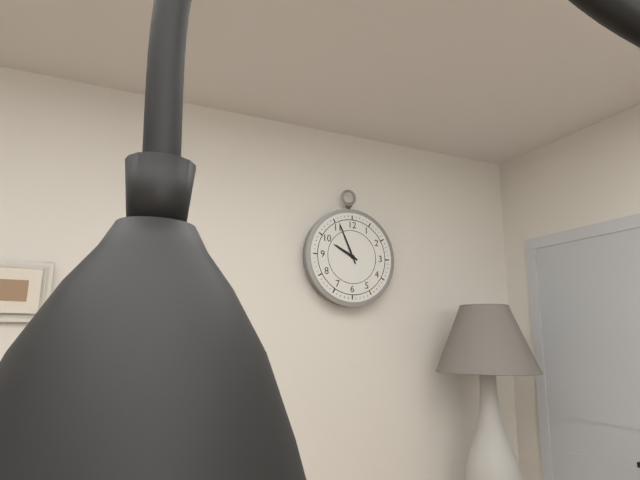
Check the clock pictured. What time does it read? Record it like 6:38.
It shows 9:56
